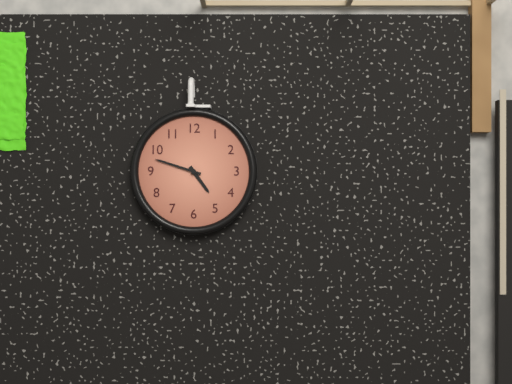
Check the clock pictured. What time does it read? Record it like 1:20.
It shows 4:48
